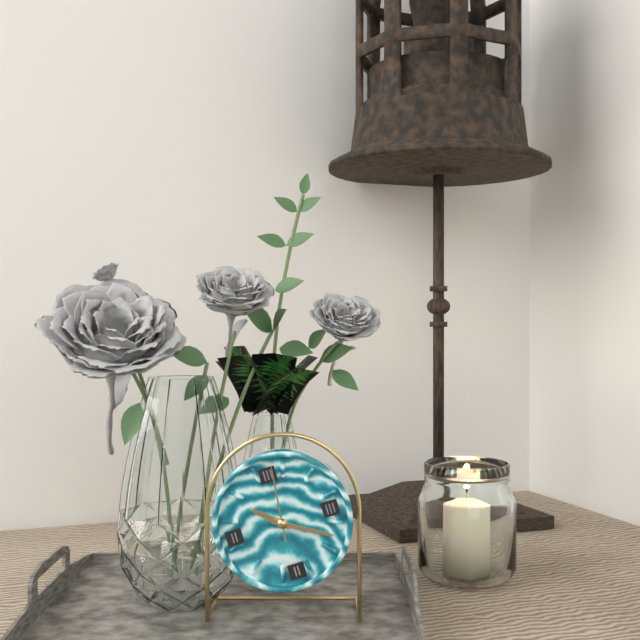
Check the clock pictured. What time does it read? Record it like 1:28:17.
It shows 10:20:01
